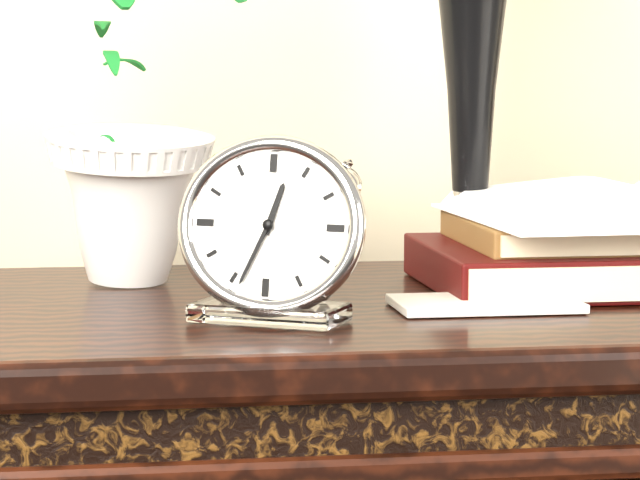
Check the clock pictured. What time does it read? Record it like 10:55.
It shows 12:34
